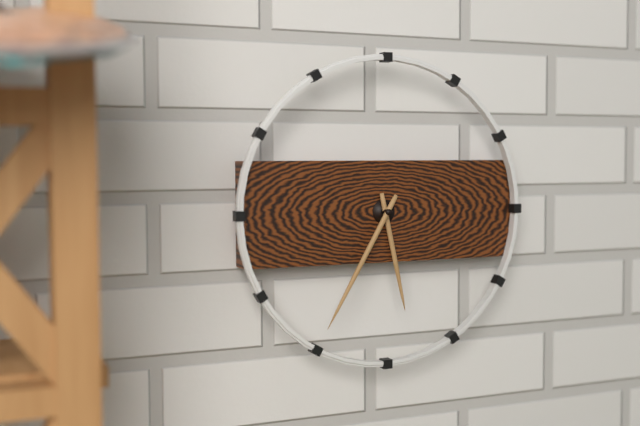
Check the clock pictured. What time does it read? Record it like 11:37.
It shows 5:35
